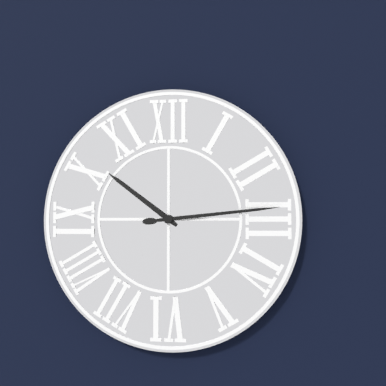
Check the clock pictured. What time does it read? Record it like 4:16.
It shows 10:14
